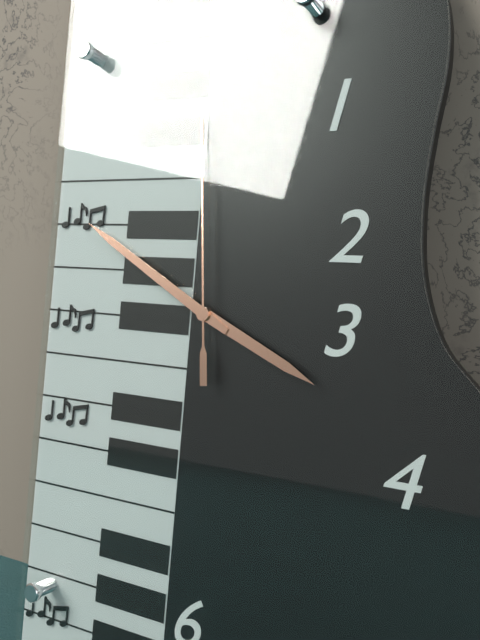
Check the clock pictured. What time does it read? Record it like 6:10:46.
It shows 3:50:59
